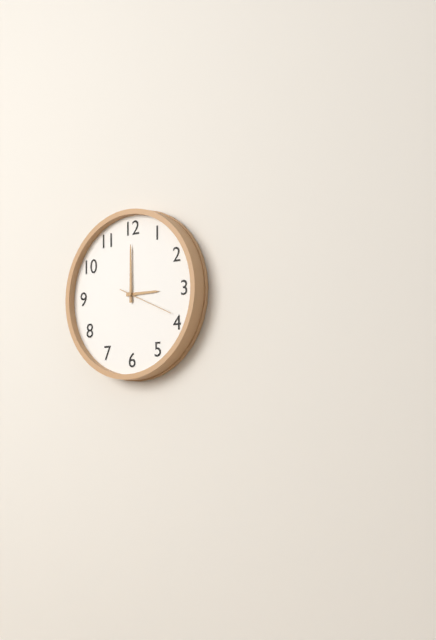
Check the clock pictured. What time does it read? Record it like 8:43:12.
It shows 3:00:19
